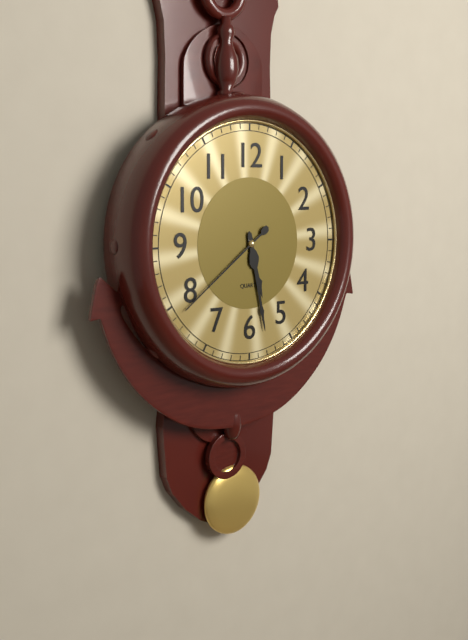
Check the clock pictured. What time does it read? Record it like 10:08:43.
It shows 5:28:39
